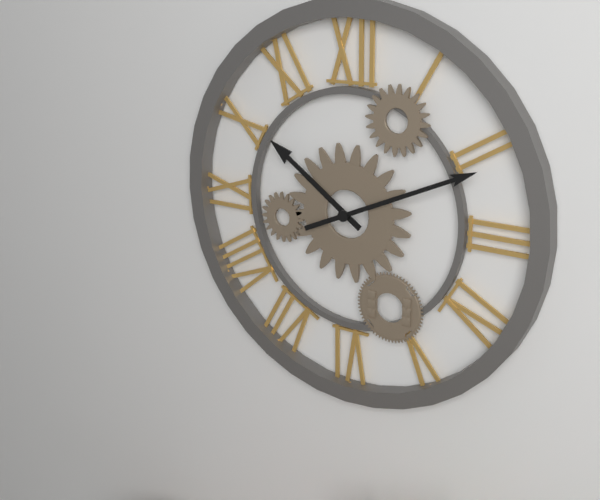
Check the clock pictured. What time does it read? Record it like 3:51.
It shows 10:11
